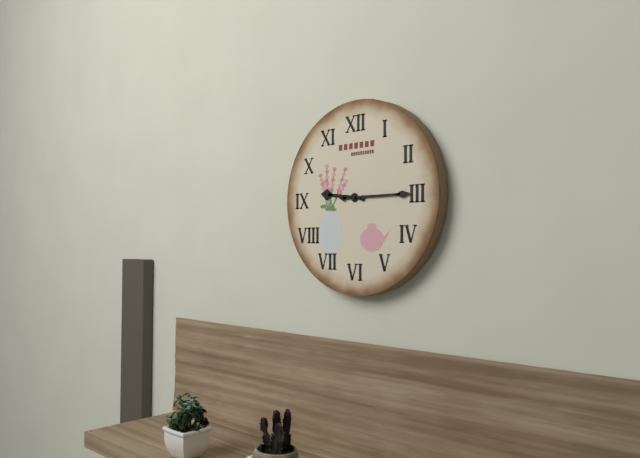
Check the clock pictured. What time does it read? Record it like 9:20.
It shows 9:15
